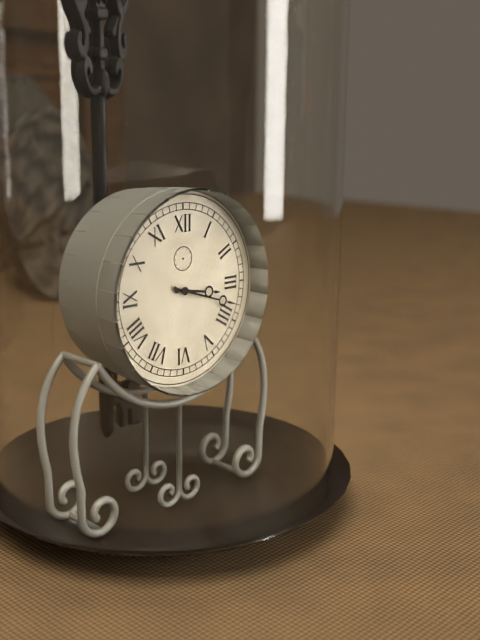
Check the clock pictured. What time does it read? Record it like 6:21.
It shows 3:18
